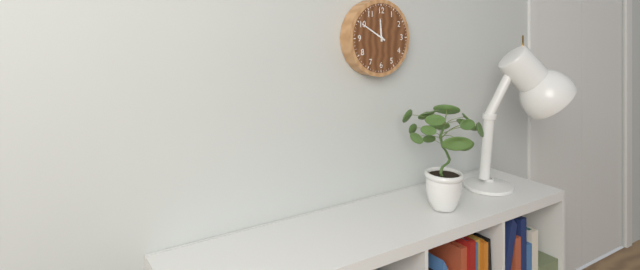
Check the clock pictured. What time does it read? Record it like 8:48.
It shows 11:50
